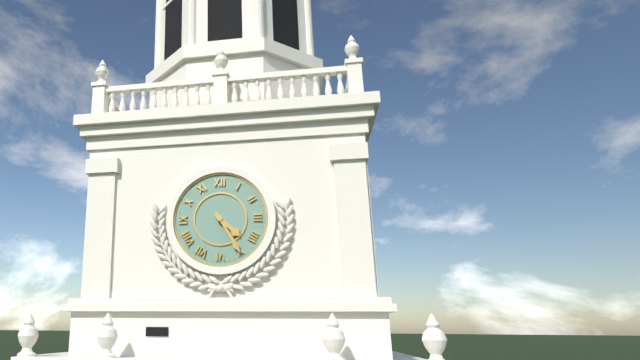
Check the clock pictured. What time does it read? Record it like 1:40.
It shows 4:25
